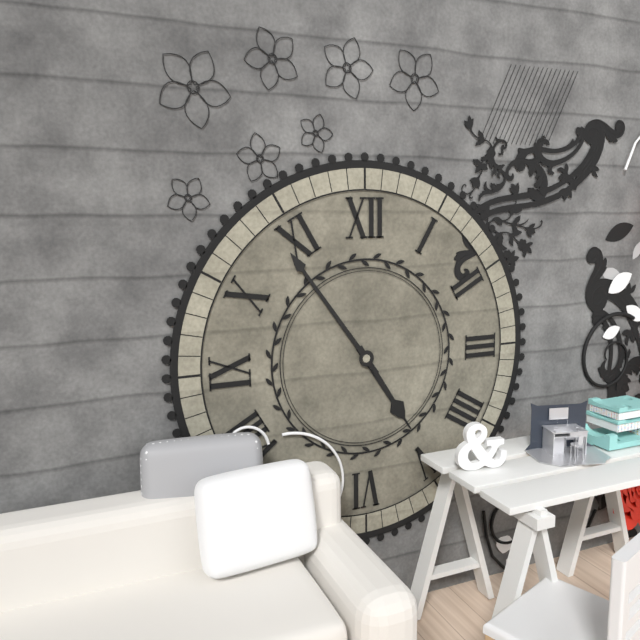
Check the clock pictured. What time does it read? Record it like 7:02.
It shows 4:54
